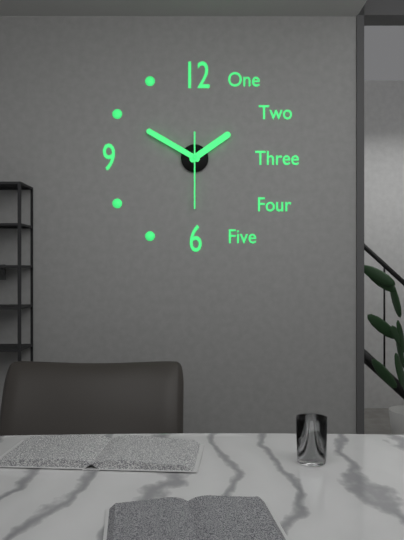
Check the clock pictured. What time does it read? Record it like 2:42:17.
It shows 1:50:30
